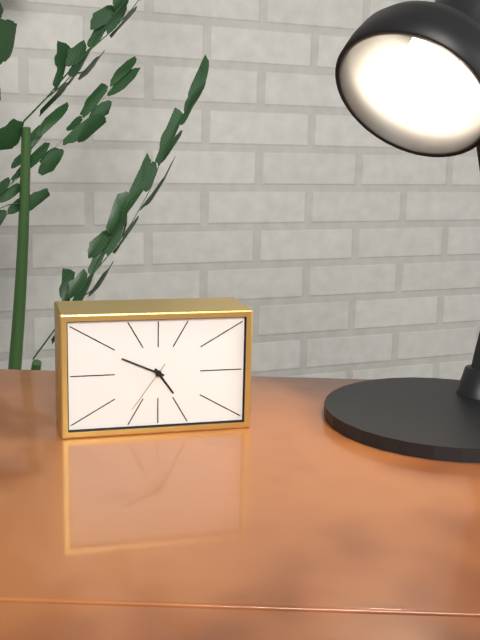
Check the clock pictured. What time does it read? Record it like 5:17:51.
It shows 4:49:36
